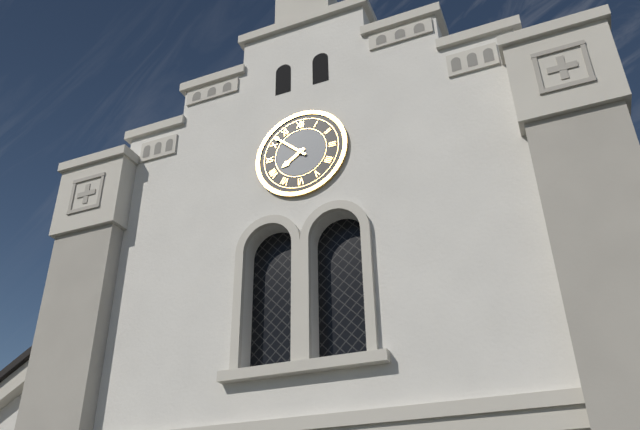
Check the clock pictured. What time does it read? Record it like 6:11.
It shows 7:52
